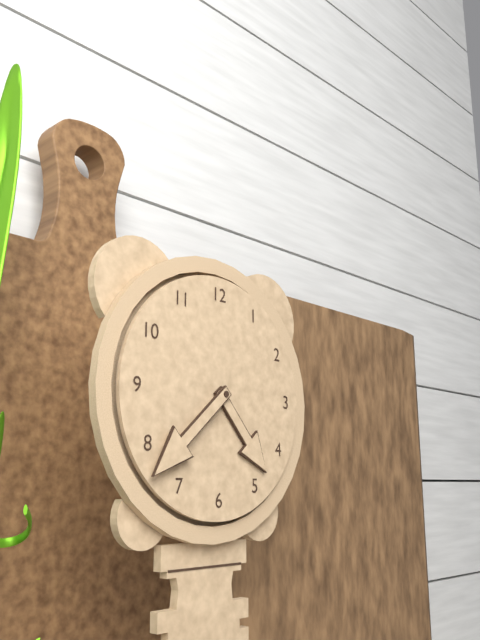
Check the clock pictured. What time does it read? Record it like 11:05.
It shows 4:38
